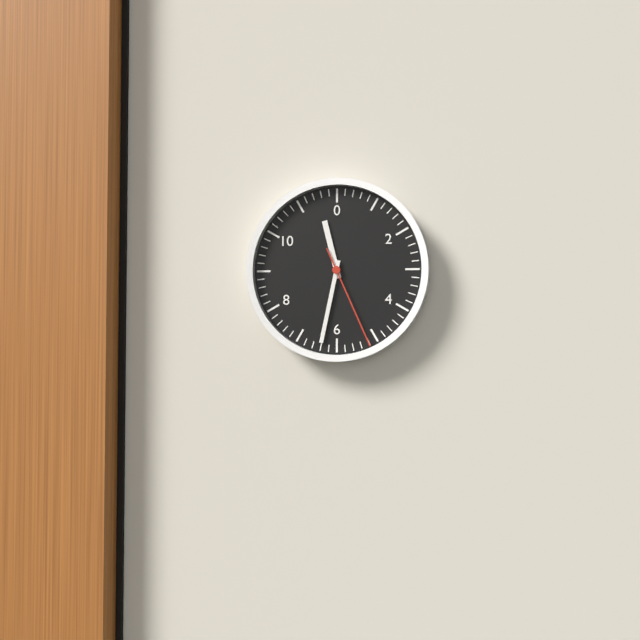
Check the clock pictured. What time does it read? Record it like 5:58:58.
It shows 11:32:26
